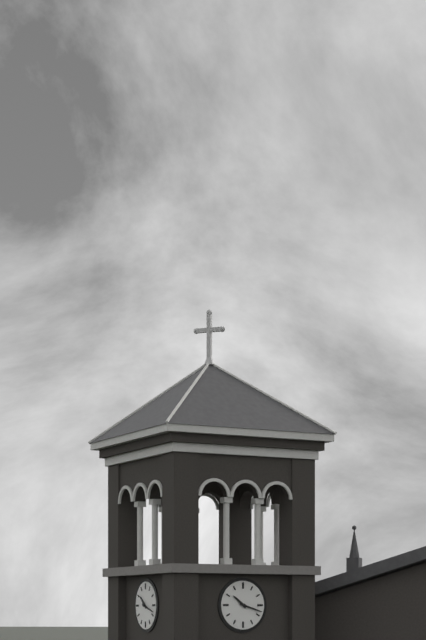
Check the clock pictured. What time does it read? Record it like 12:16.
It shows 10:18
